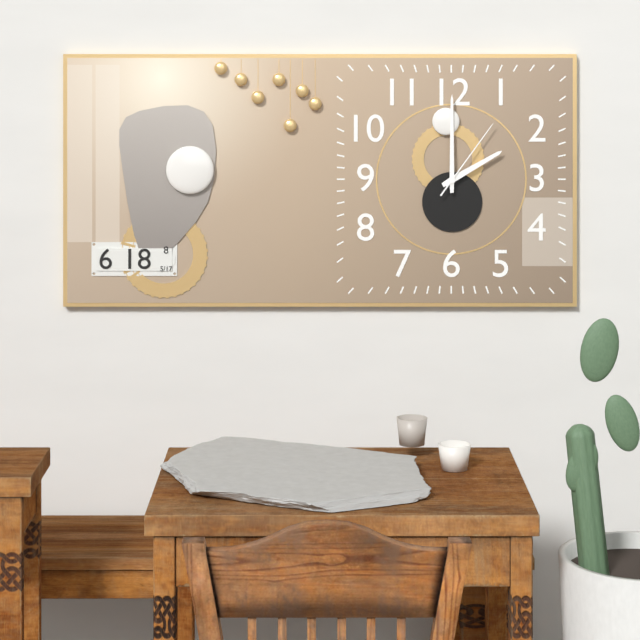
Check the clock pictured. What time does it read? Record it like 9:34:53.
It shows 2:00:06
